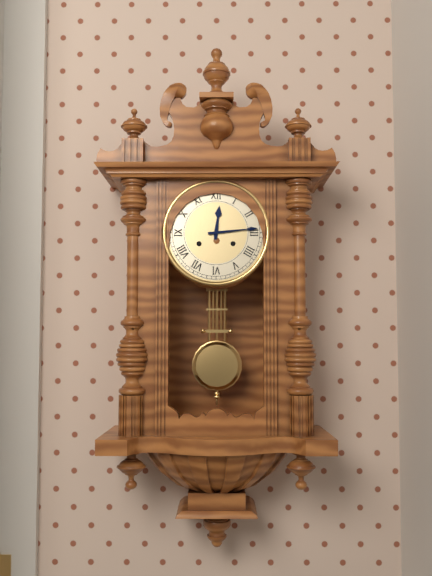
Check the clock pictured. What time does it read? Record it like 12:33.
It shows 12:14
